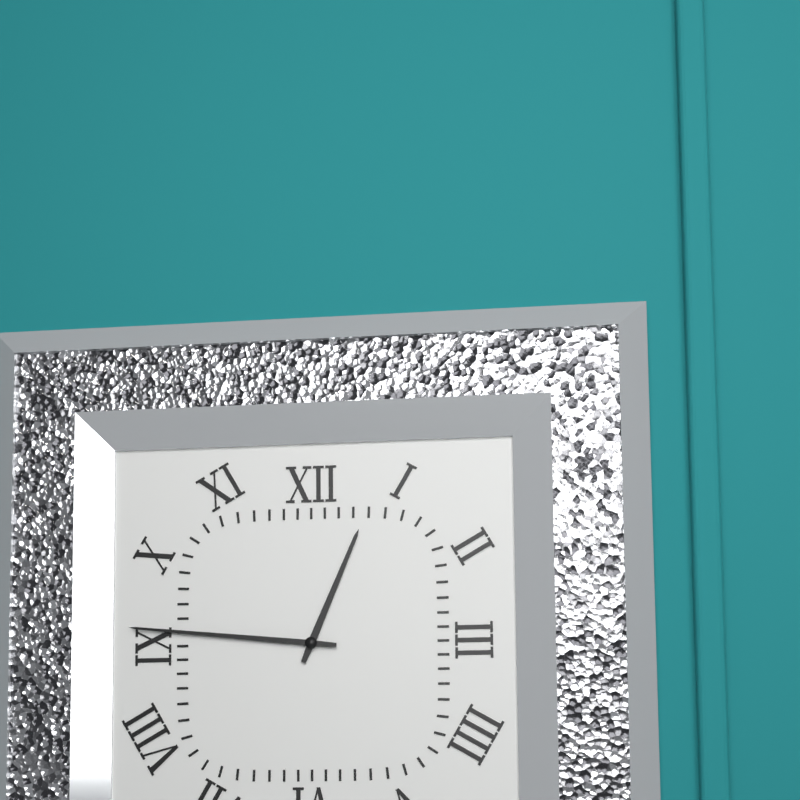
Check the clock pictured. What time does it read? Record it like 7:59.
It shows 12:46
